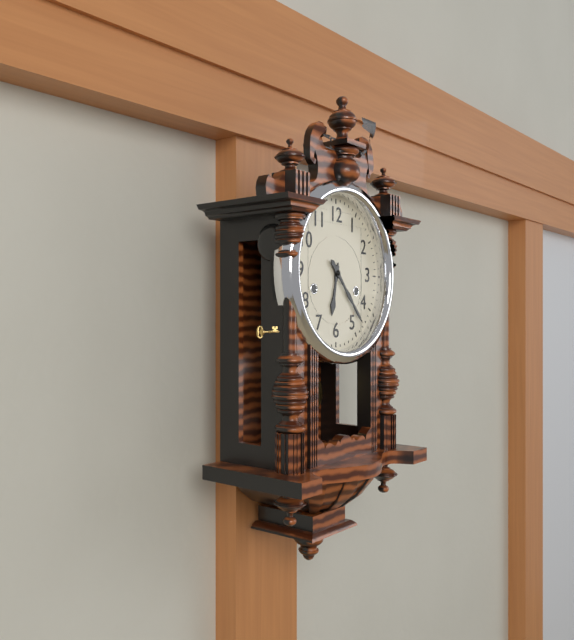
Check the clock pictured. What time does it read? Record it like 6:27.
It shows 6:23
